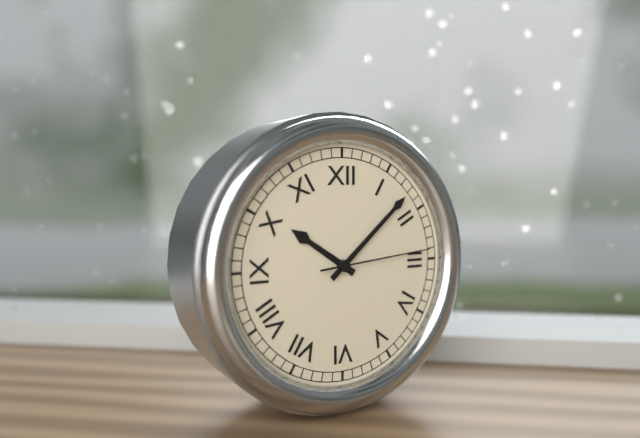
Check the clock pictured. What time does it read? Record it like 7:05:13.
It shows 10:08:14
